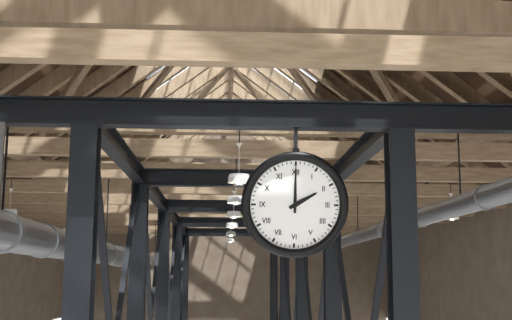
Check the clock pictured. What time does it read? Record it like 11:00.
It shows 2:00
